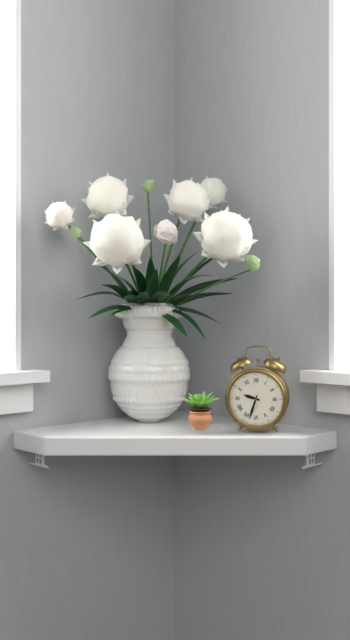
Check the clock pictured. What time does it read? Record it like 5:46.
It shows 9:33
